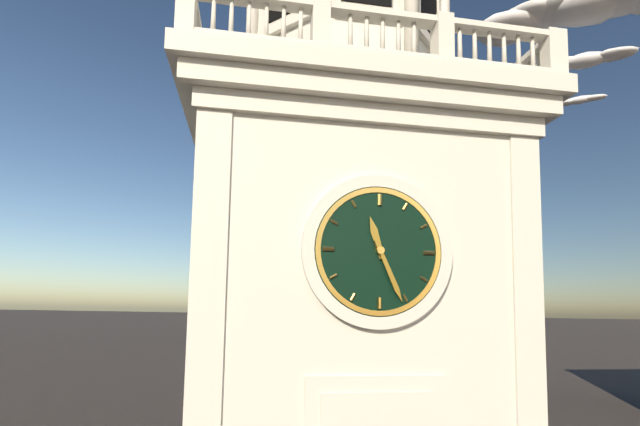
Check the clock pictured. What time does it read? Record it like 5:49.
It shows 11:26
